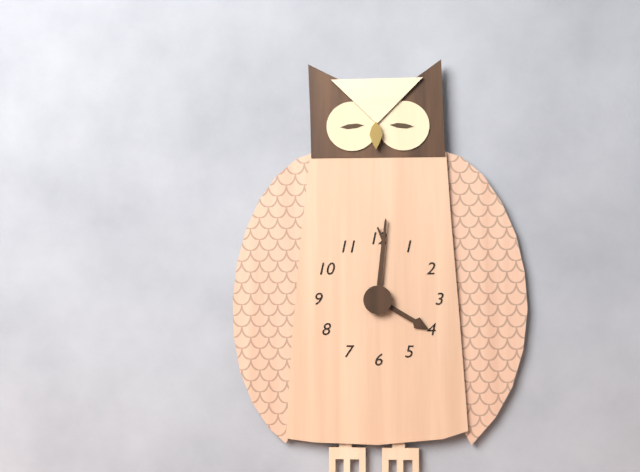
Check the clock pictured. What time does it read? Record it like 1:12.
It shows 4:01
